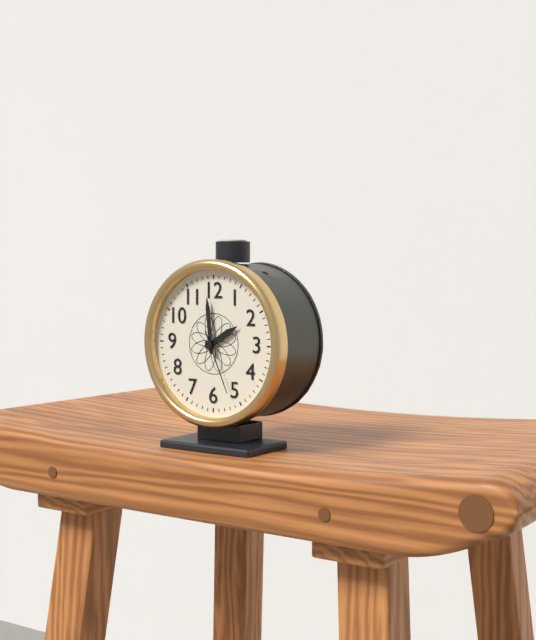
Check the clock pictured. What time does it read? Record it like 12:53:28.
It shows 1:59:26
